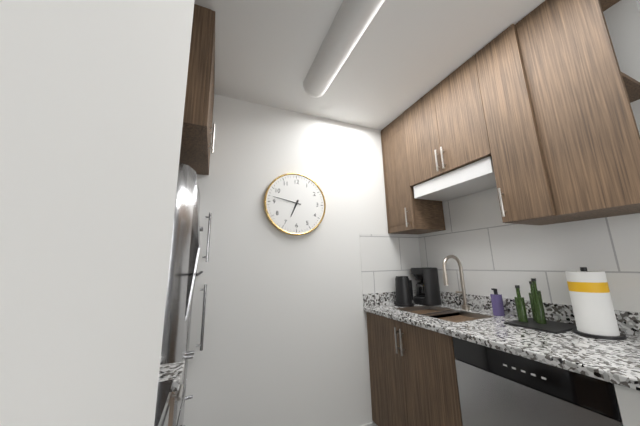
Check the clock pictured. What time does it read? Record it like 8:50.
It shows 6:47
